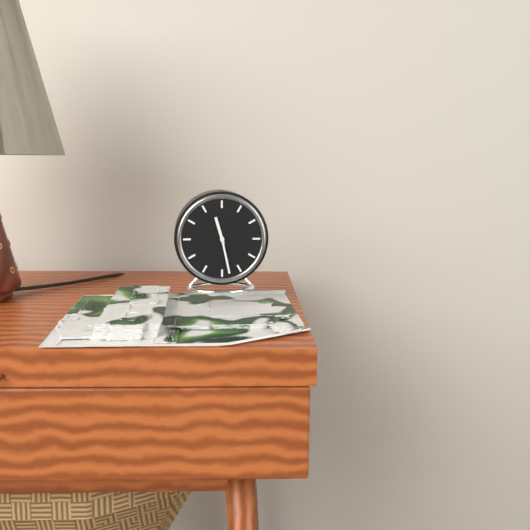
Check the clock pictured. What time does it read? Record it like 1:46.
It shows 11:28
